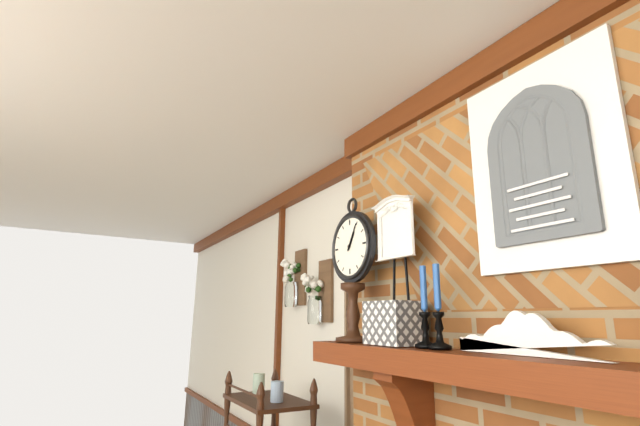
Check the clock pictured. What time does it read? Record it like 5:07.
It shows 1:05
